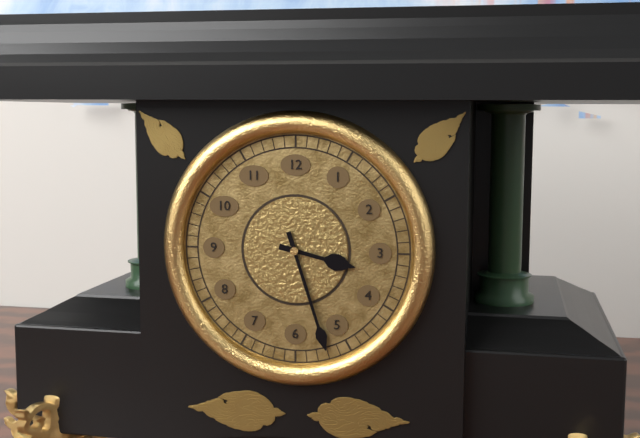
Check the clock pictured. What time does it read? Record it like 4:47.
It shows 3:27
